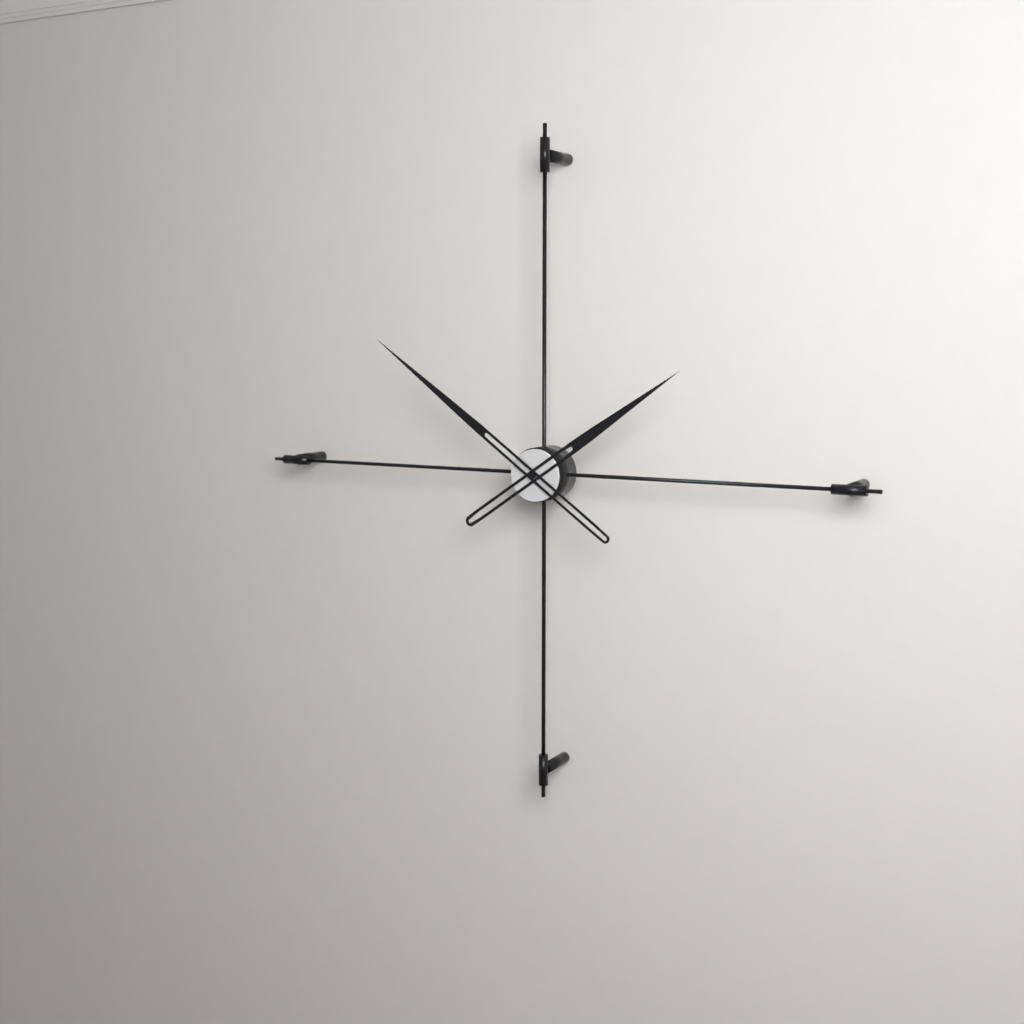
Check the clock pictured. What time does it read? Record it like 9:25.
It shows 1:51
